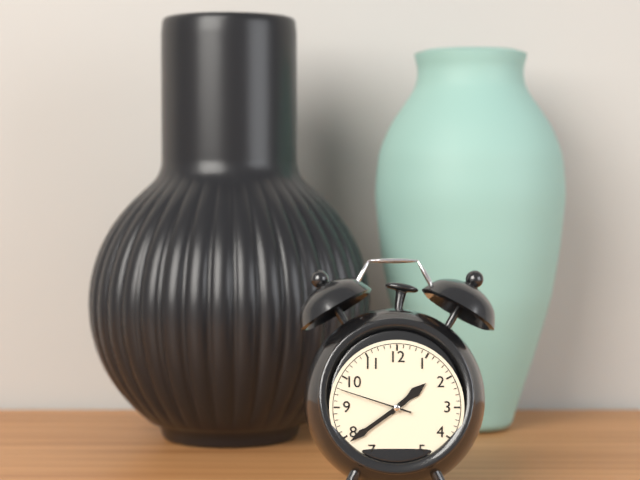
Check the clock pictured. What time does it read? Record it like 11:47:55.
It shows 1:39:48
